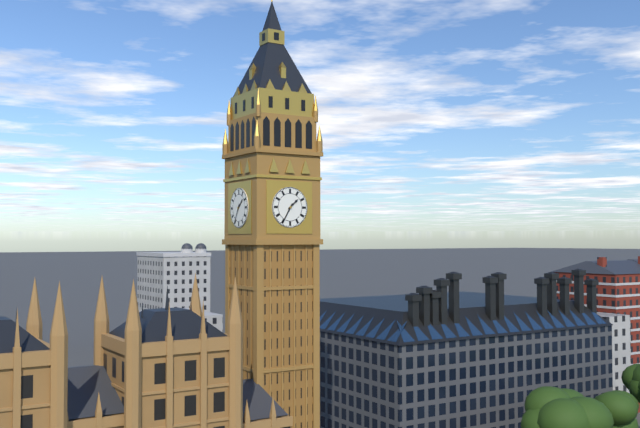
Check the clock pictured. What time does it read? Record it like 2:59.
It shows 1:35
